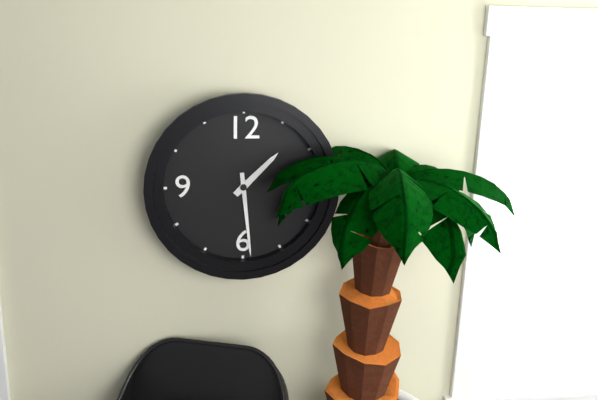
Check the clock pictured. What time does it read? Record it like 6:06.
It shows 1:29
